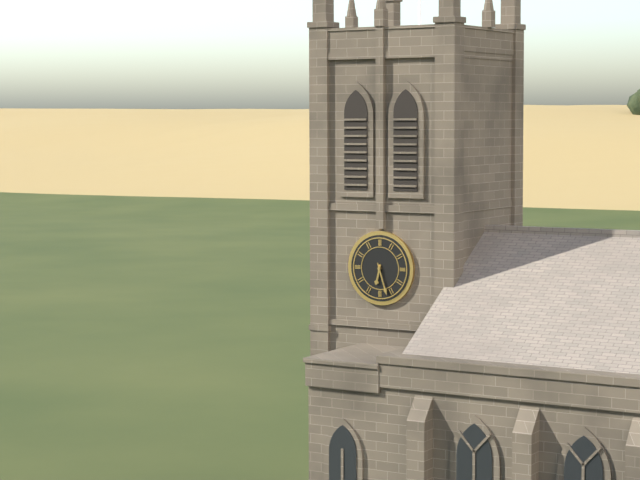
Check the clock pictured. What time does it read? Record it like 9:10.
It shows 6:27
